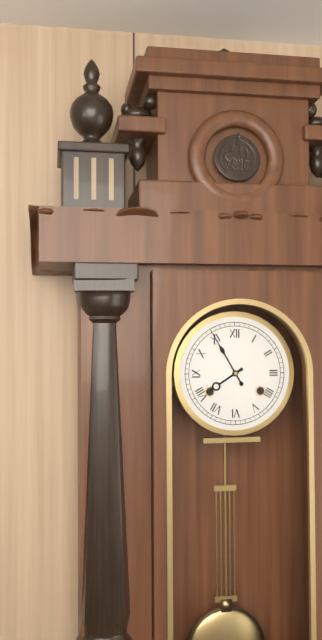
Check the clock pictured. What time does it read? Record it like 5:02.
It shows 7:55
